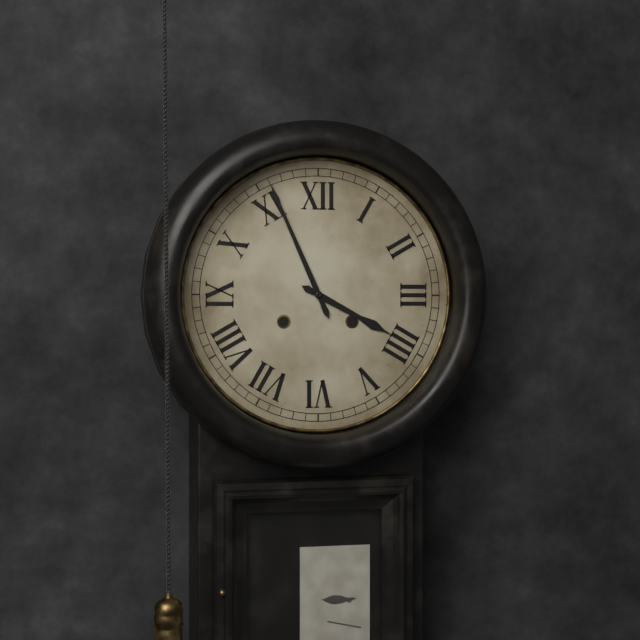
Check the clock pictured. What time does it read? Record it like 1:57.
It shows 3:56
